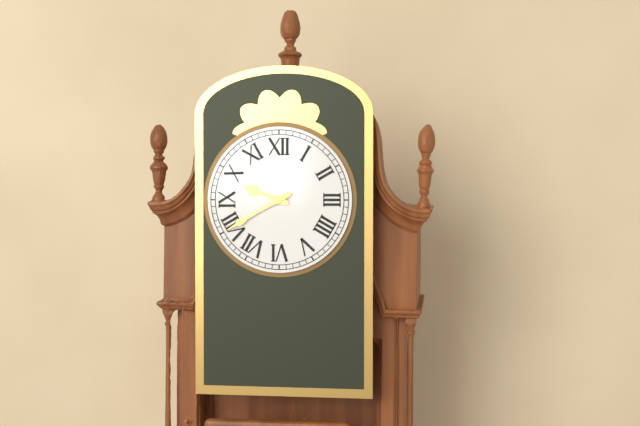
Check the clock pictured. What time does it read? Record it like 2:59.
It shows 9:40
